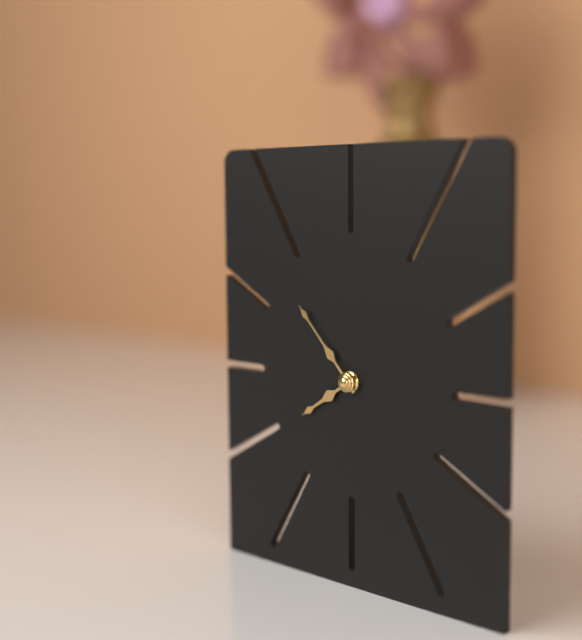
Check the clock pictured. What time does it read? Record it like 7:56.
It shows 7:53
